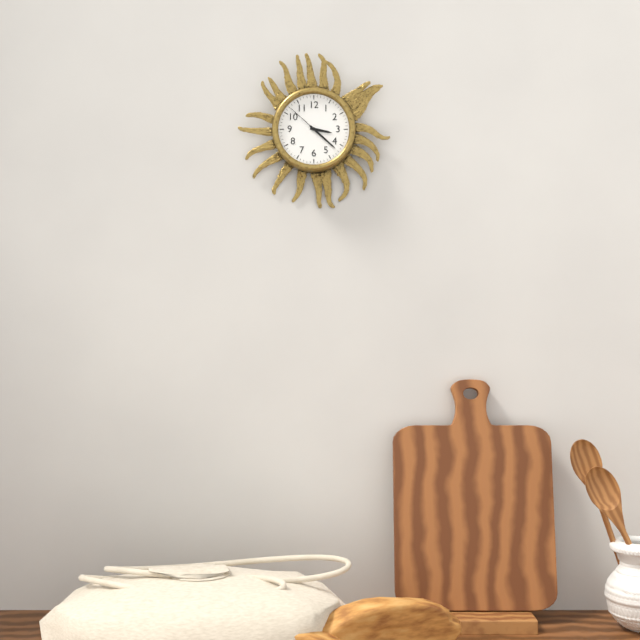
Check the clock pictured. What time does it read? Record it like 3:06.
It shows 3:22
